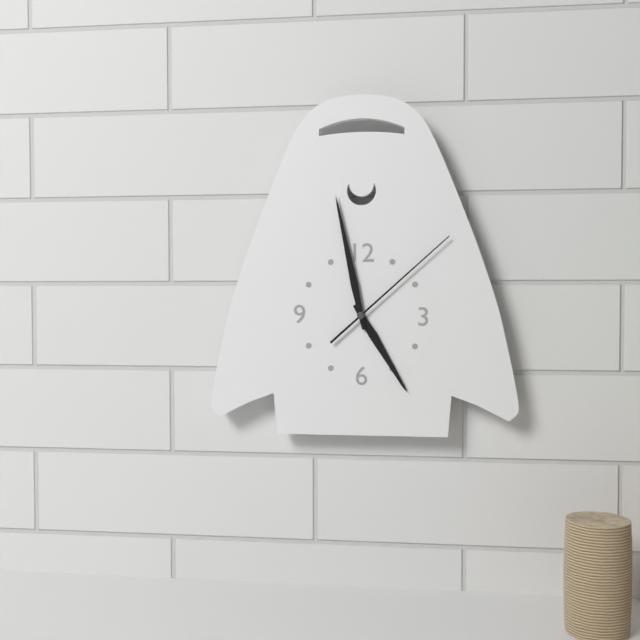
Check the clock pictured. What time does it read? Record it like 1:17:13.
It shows 4:58:08
